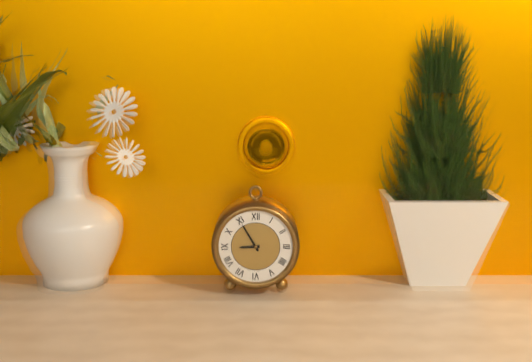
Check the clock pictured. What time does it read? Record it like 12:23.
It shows 8:55
